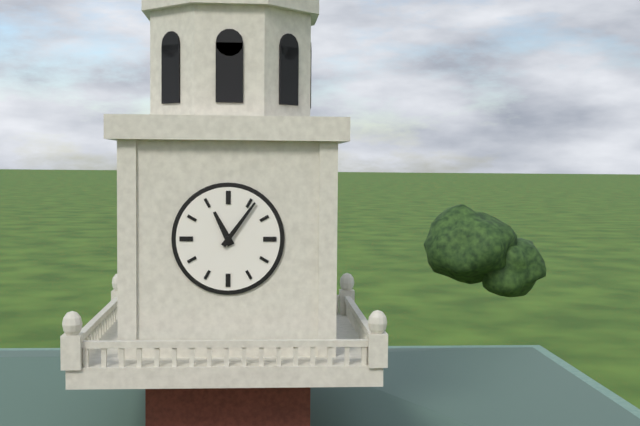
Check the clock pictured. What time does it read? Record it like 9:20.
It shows 11:06
